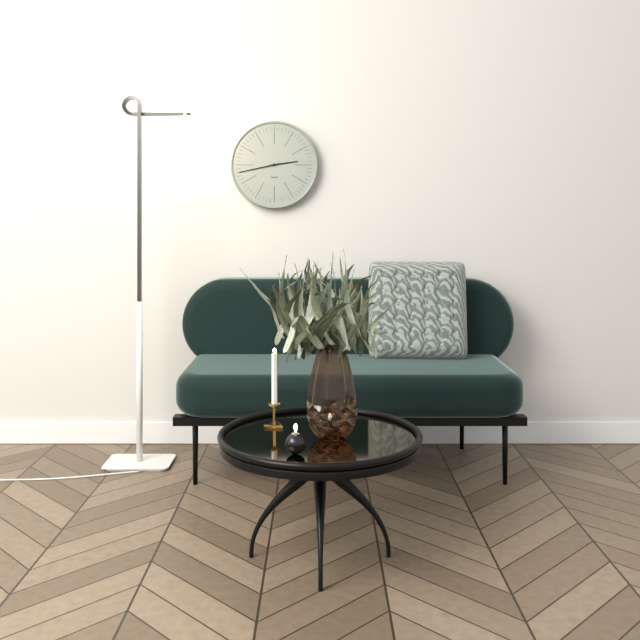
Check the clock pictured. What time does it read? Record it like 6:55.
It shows 2:43
